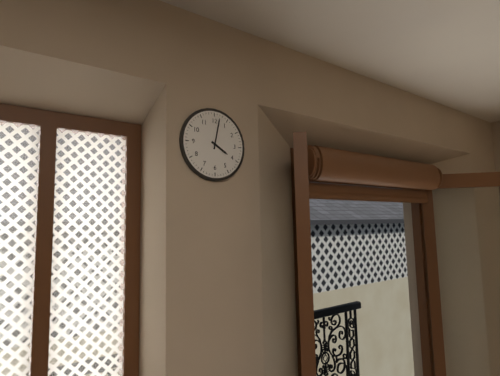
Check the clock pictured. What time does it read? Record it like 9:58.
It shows 4:02
